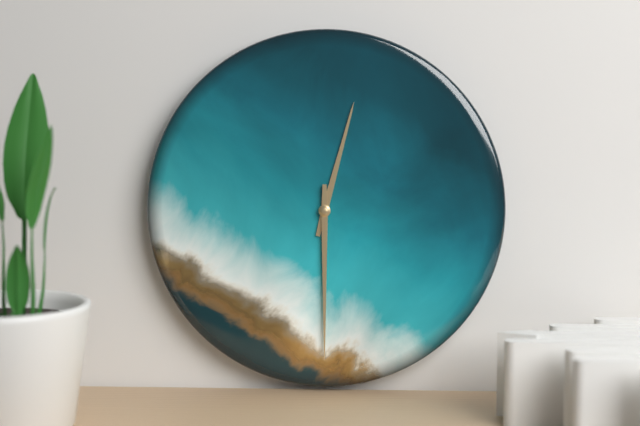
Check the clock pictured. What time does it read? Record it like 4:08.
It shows 12:30
